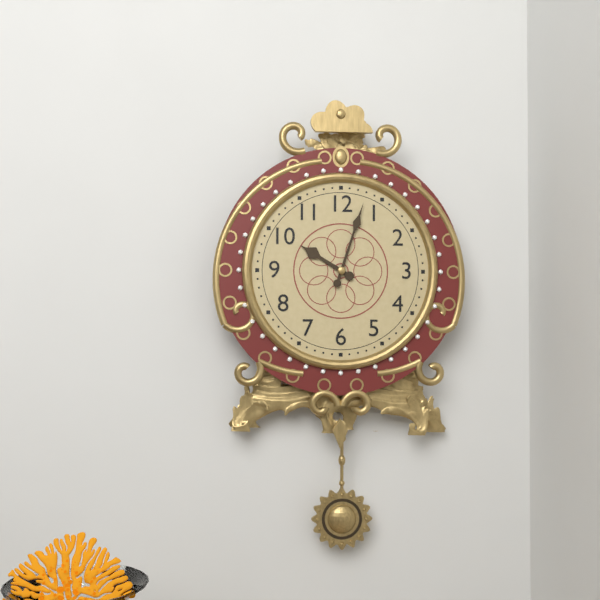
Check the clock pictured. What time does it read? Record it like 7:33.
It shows 10:03
